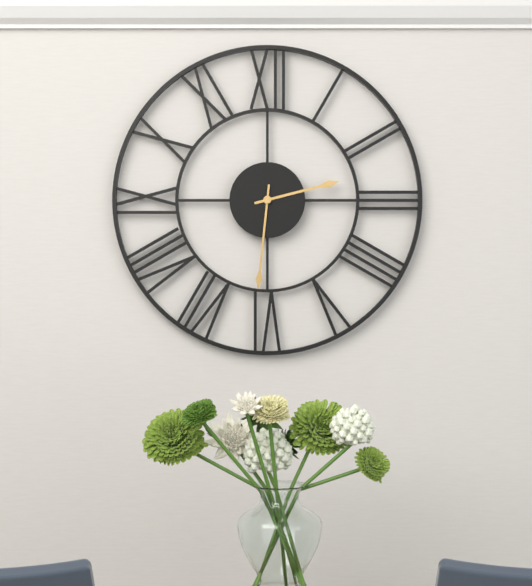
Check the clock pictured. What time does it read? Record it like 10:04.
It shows 2:31
